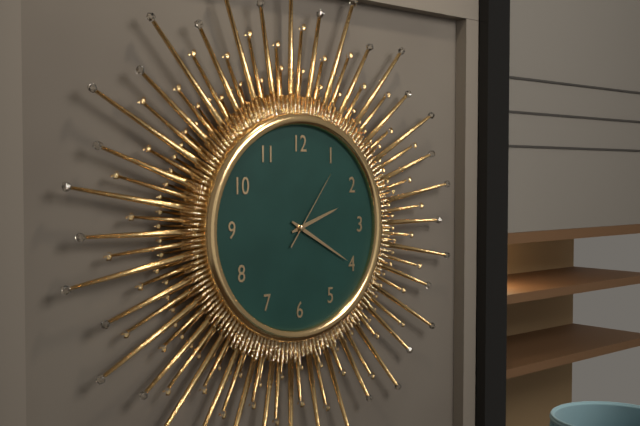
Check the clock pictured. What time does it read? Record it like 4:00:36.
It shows 2:20:06
